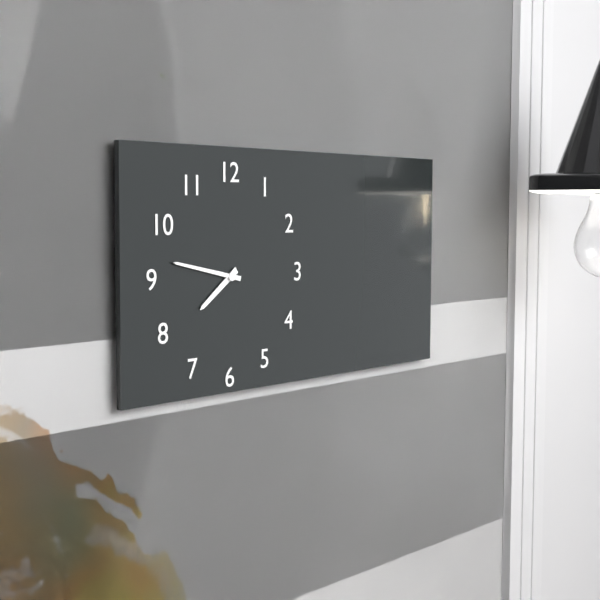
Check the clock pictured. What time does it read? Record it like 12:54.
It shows 7:47
